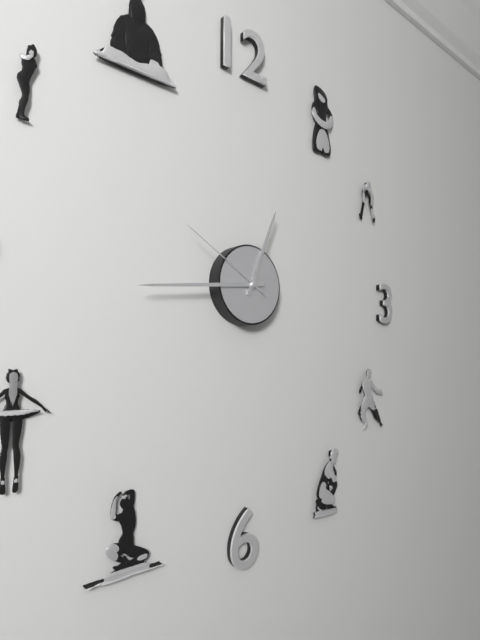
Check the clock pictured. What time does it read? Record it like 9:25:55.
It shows 12:44:50
